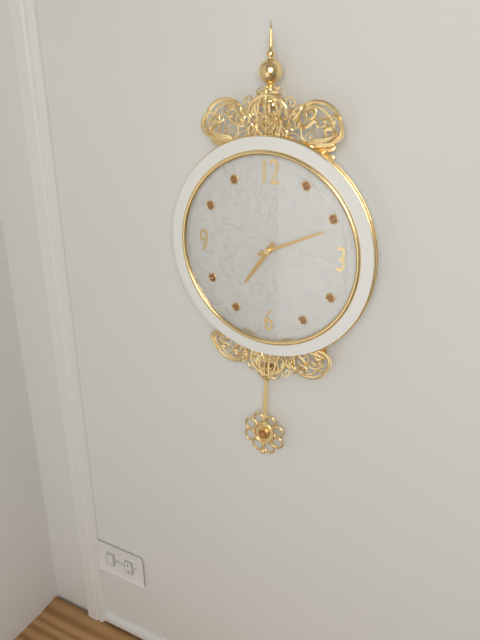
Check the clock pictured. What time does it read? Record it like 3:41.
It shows 7:11
